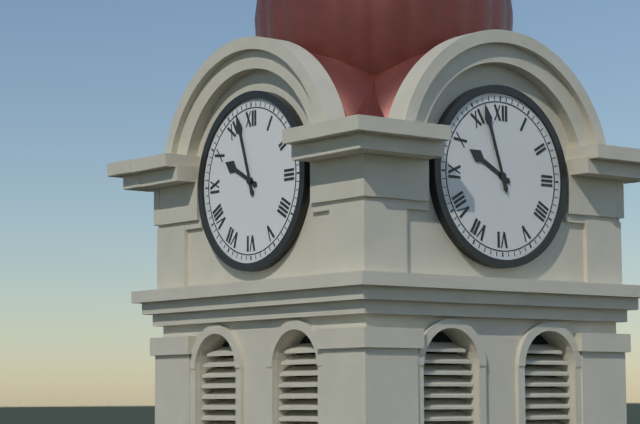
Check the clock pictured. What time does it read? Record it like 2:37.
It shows 9:57
